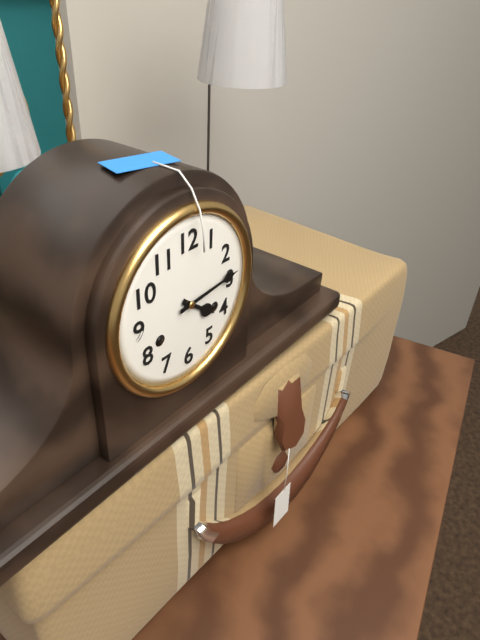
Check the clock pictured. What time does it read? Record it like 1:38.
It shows 4:14
